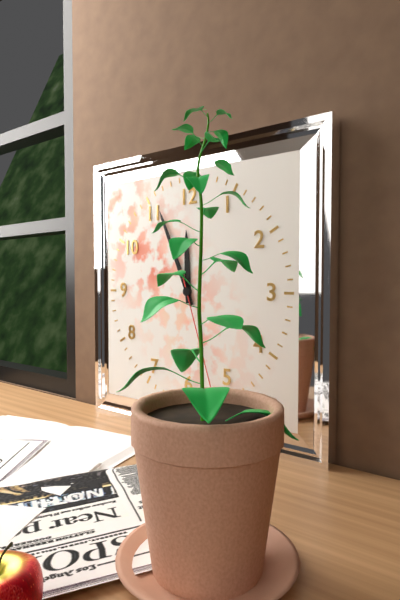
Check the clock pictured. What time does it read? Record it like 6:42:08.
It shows 11:56:27
